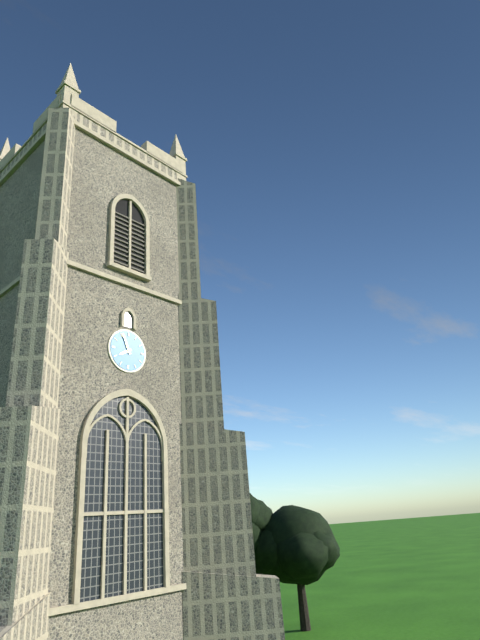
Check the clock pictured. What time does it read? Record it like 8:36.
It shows 7:56
